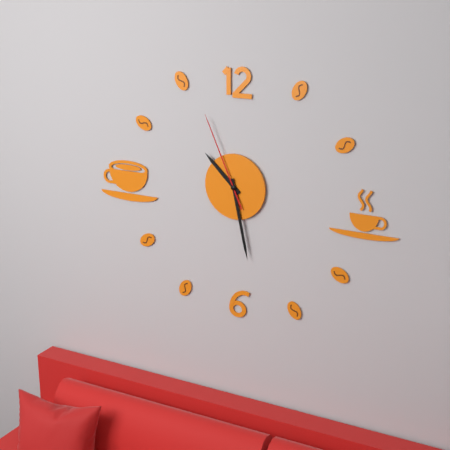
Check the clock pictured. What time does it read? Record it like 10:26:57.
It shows 10:28:56
